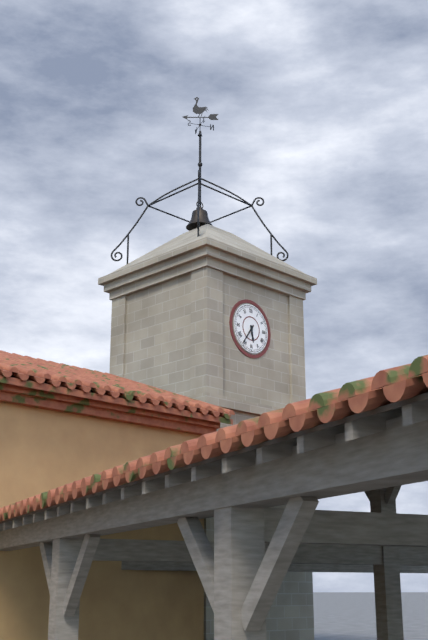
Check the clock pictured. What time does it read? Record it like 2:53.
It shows 5:36
